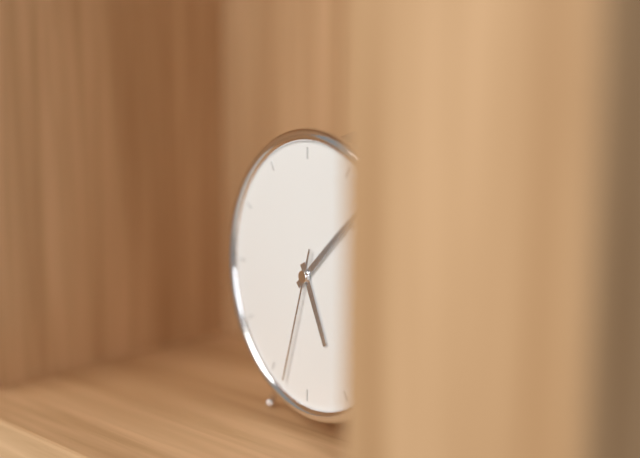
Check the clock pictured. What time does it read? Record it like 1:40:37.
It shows 5:08:33
